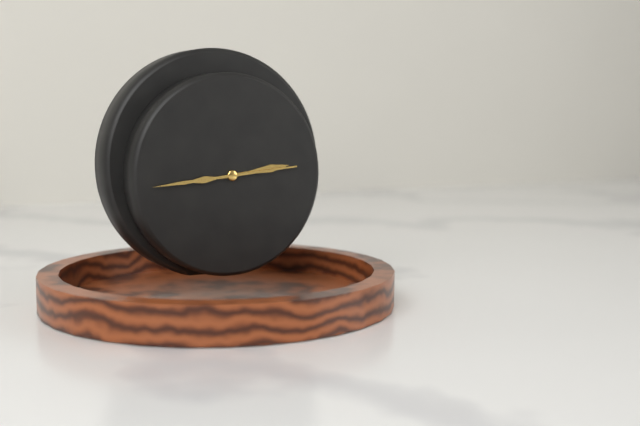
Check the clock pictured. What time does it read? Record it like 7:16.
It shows 2:44
